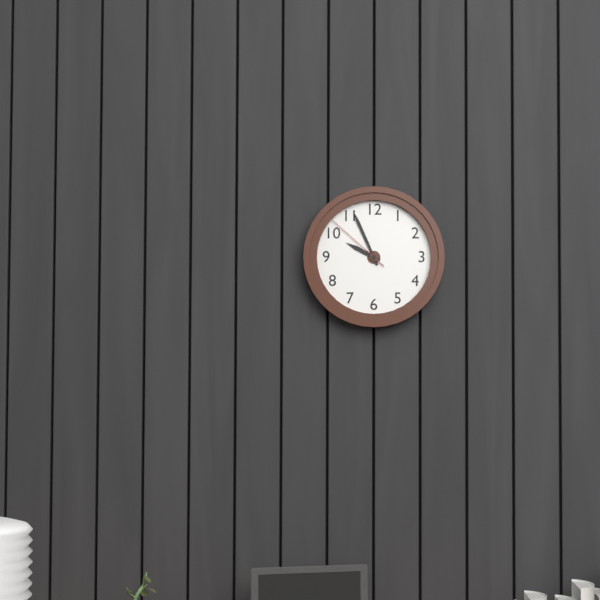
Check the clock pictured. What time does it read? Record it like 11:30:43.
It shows 9:56:52
